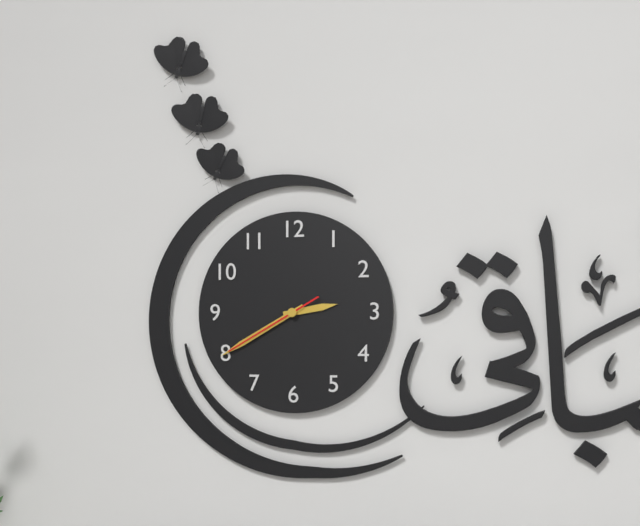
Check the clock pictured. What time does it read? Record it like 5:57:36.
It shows 2:40:40
